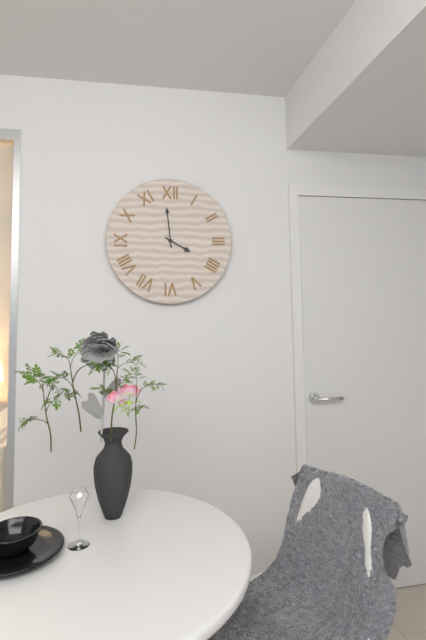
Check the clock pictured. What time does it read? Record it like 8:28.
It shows 3:59
